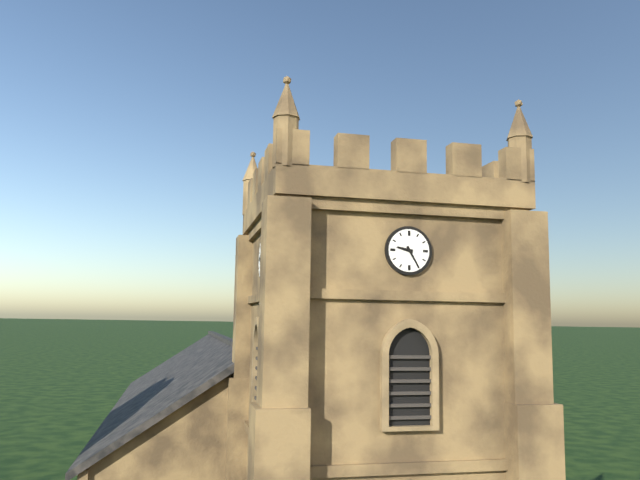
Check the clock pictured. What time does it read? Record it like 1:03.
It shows 9:25
